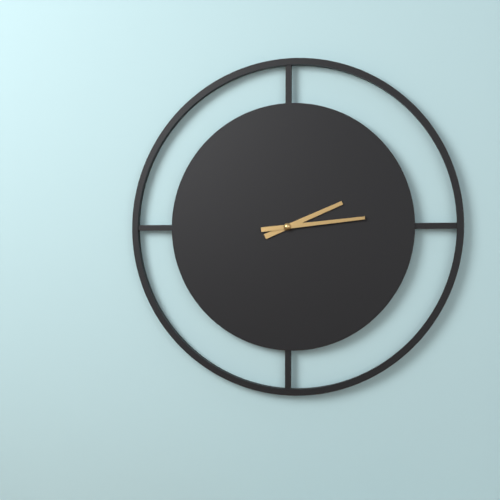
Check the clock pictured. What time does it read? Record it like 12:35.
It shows 2:14
